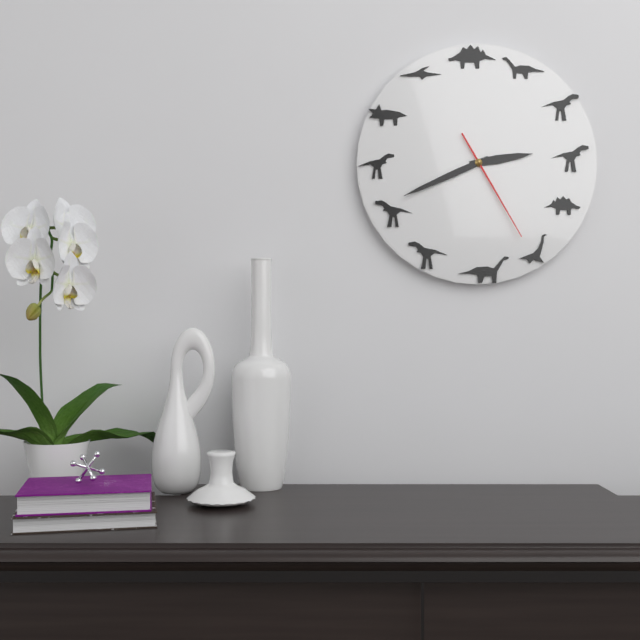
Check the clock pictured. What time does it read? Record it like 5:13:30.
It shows 2:41:25
